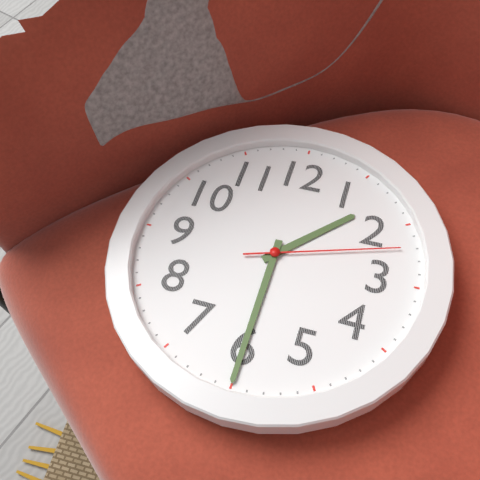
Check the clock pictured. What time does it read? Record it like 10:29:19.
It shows 1:30:12
